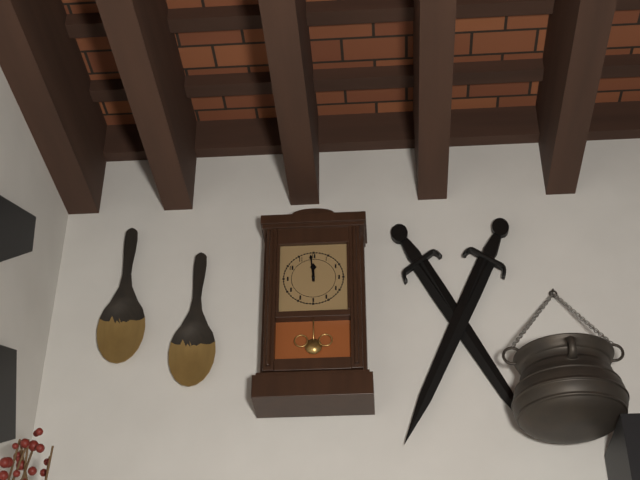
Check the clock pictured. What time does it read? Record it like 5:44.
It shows 11:59
